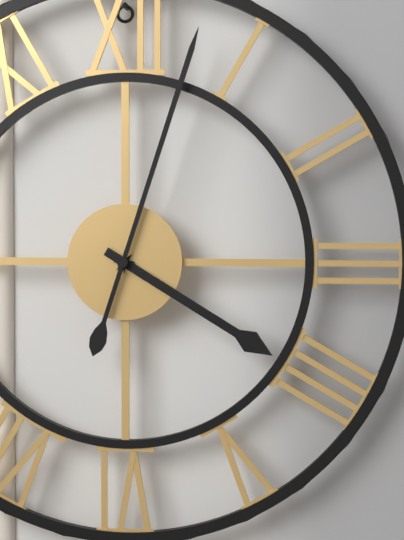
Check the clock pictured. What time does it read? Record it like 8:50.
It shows 4:03
